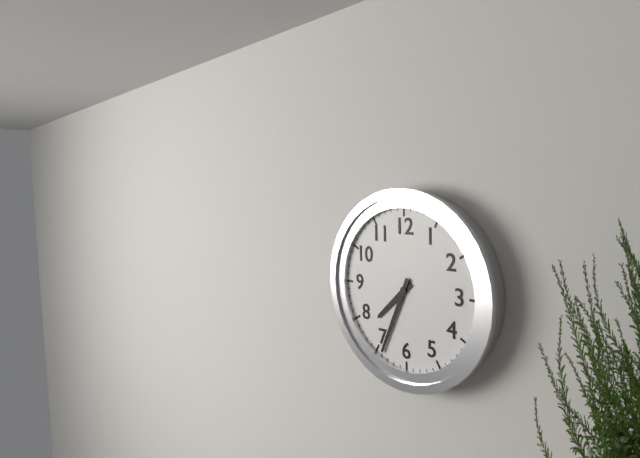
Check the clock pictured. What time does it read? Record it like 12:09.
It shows 7:34
